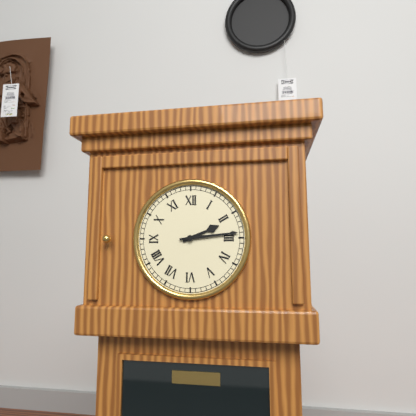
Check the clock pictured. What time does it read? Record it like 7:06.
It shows 2:14
